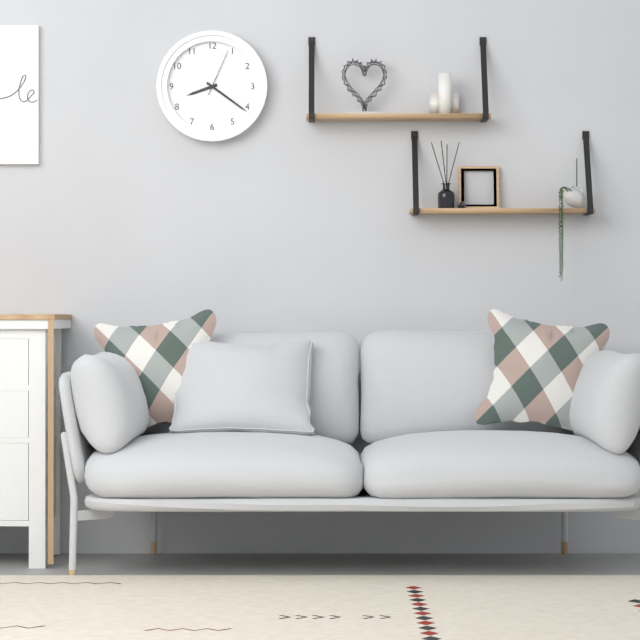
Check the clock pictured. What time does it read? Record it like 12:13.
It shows 8:21
